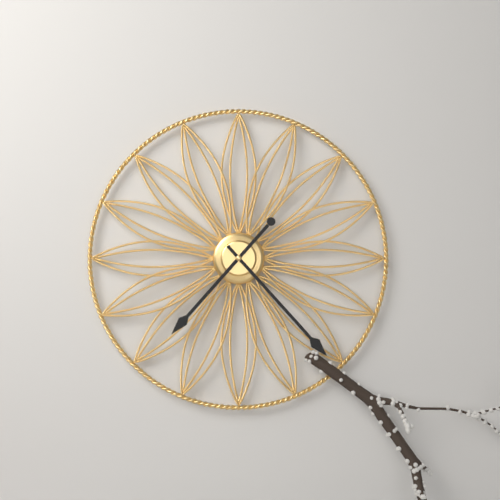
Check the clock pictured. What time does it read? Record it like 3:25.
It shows 7:23
